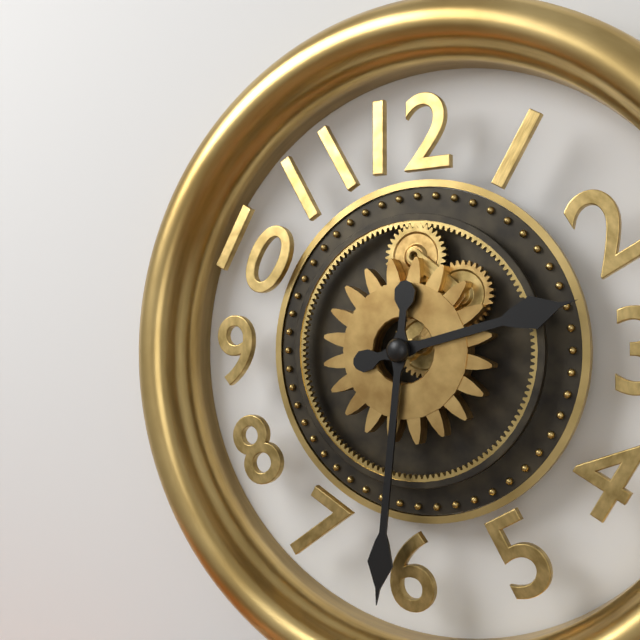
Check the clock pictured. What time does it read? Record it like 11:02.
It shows 2:31
